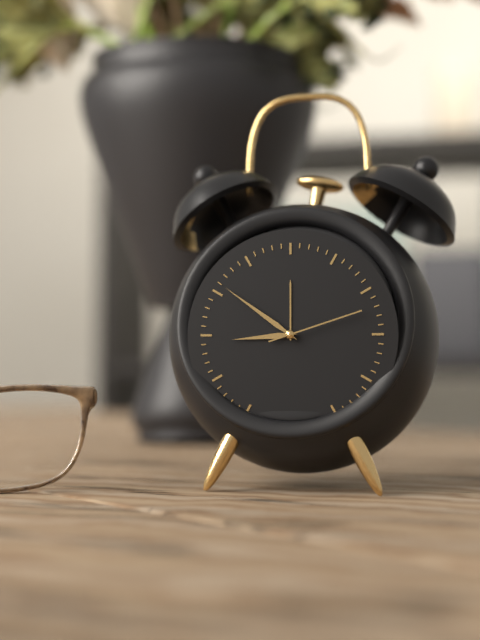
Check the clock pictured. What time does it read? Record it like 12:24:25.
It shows 8:51:12
